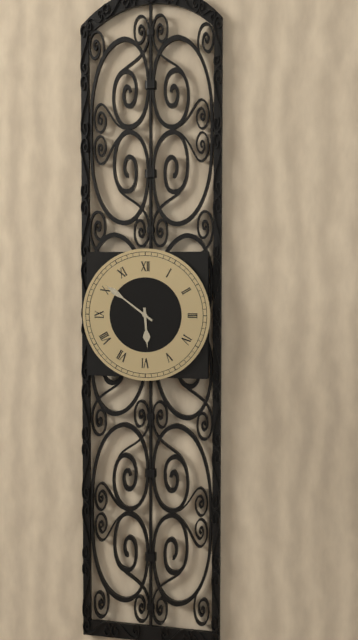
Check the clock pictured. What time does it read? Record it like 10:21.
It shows 5:51
